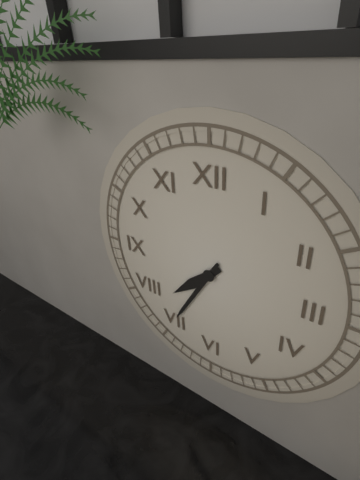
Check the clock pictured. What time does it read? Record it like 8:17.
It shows 7:35
